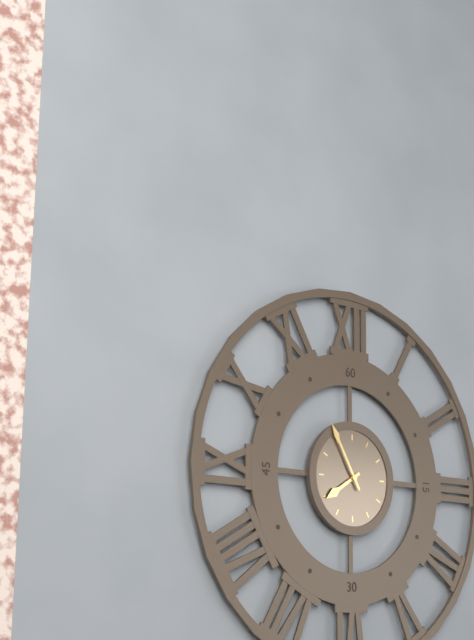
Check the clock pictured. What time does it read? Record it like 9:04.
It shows 7:55
